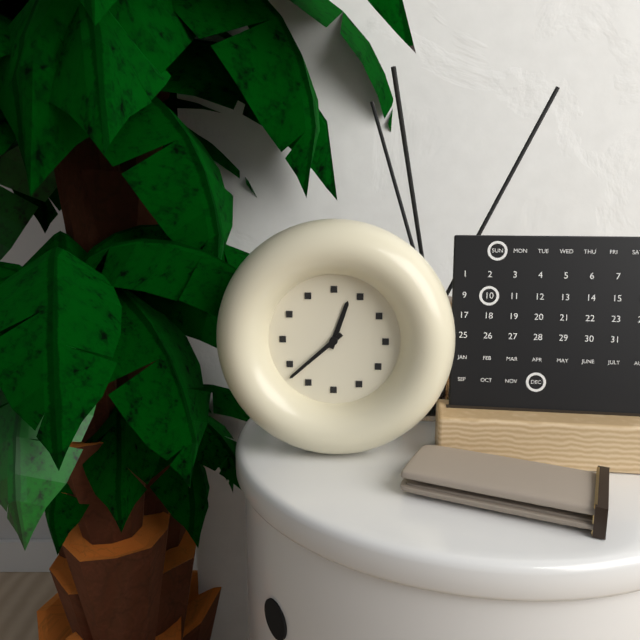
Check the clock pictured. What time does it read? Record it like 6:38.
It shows 12:38
